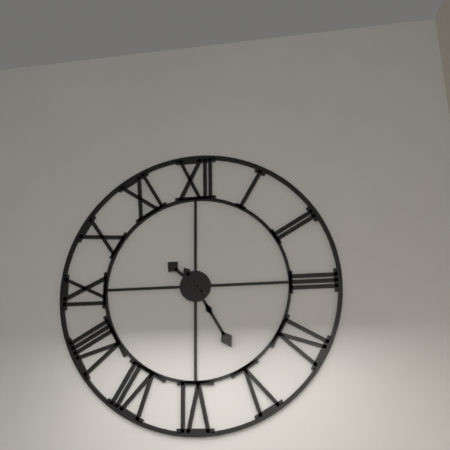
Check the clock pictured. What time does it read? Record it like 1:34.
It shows 10:25
